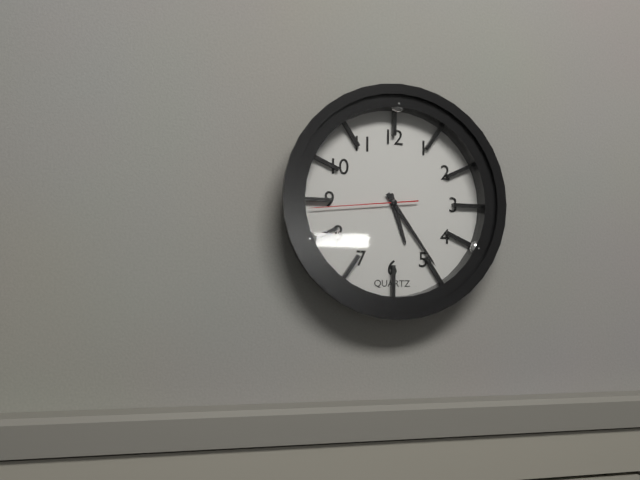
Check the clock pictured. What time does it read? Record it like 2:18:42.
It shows 5:24:44
